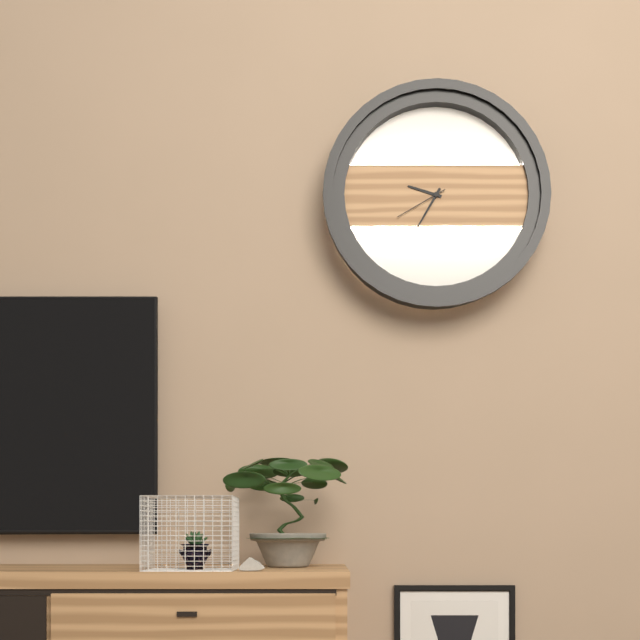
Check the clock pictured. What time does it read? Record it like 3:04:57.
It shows 9:35:40
